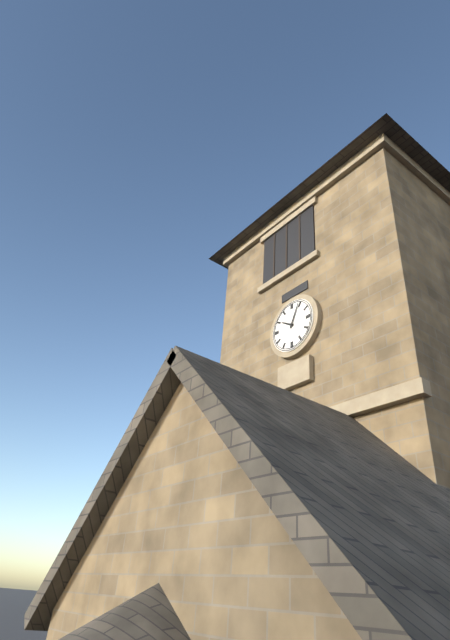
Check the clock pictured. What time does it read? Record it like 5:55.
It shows 10:04
